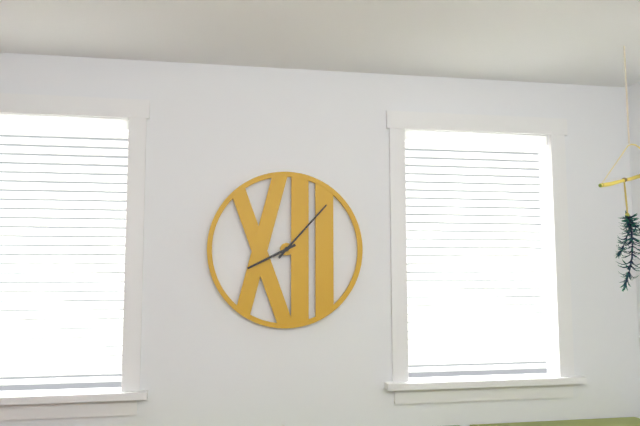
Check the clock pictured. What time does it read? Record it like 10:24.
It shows 8:07
